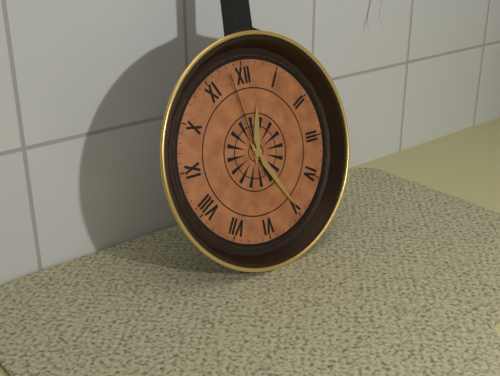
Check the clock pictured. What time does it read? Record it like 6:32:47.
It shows 12:25:58
